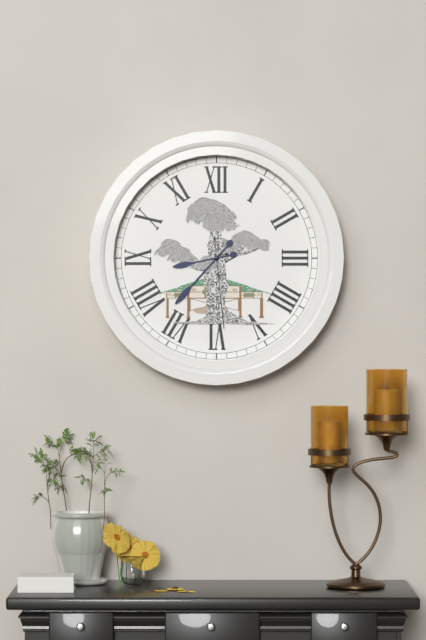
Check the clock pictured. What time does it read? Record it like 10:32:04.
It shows 8:37:29
